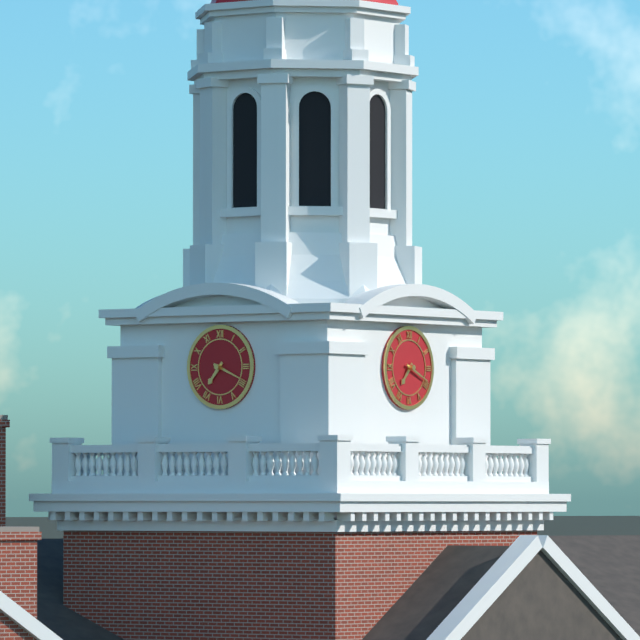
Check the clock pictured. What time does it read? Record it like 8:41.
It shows 7:19
